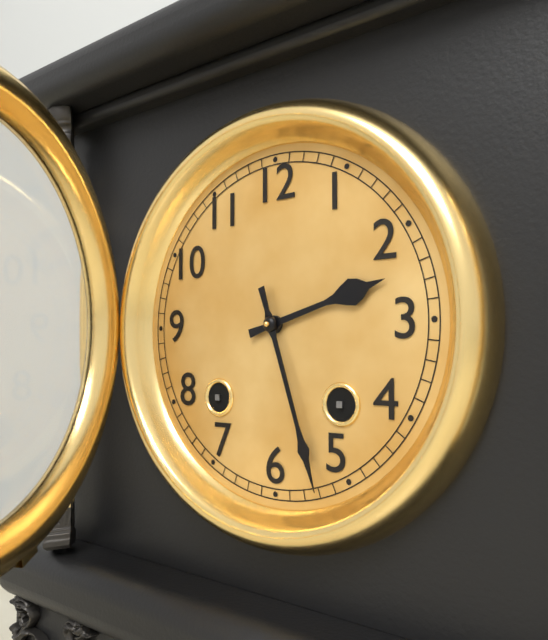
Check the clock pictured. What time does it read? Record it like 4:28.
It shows 2:27
